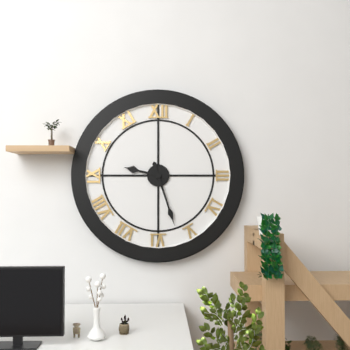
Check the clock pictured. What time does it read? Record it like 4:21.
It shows 9:27
